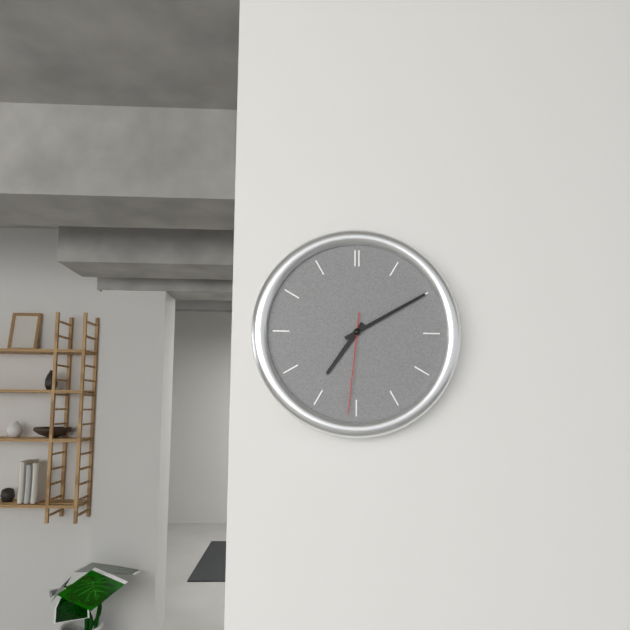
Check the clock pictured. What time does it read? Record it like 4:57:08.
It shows 7:10:31
